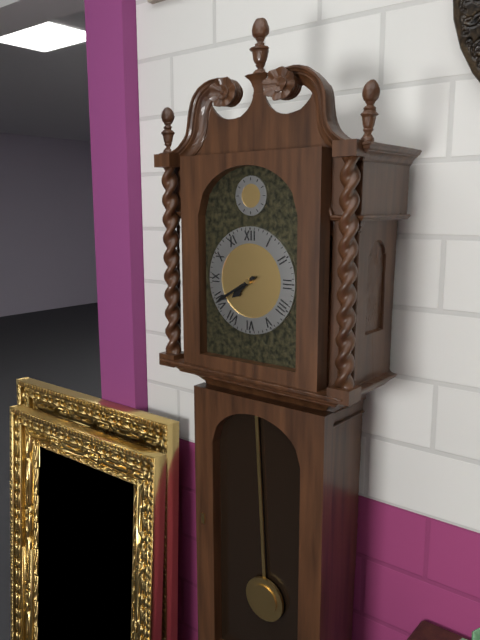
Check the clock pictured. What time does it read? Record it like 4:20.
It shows 7:40
